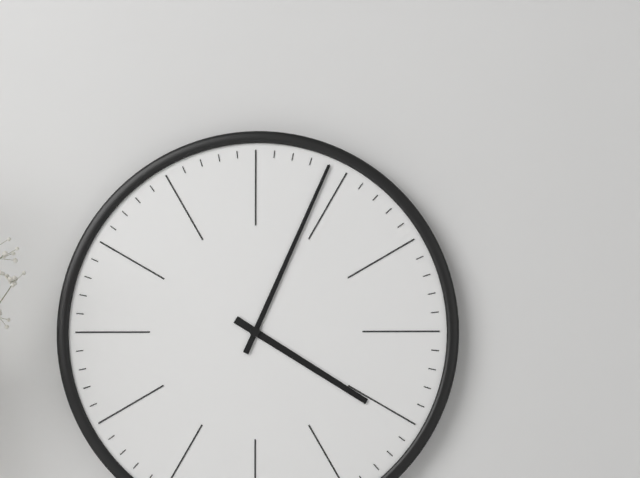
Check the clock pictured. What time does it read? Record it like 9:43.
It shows 4:04
